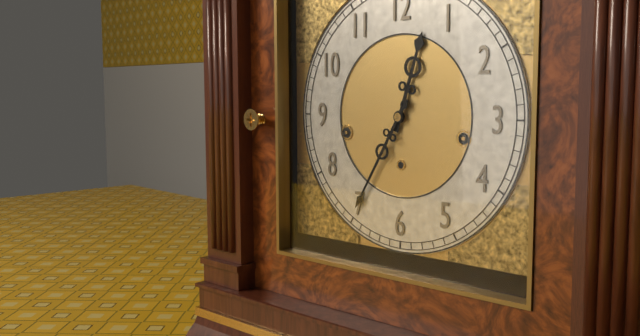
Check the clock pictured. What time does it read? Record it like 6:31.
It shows 12:35
